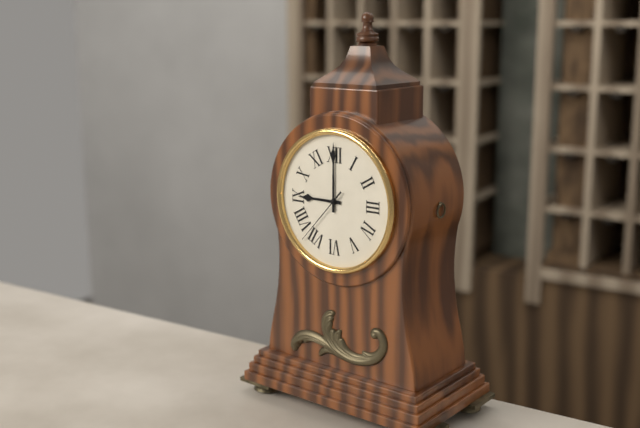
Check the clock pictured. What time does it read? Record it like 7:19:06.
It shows 9:00:37
